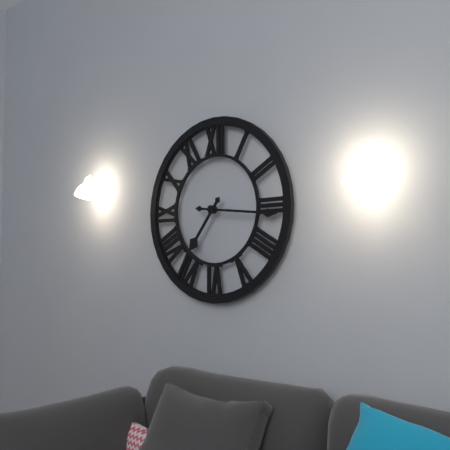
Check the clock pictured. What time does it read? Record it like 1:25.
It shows 7:16
